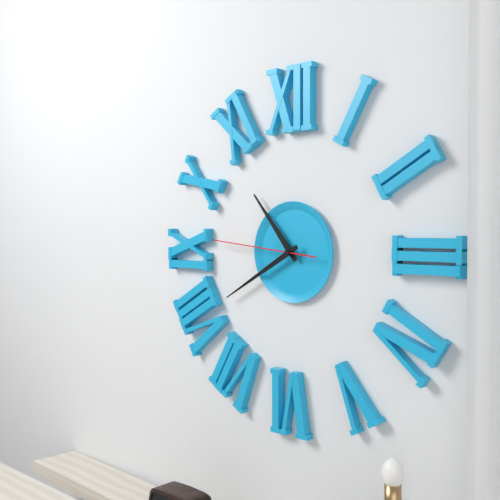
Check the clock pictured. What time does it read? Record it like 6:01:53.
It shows 10:40:46
